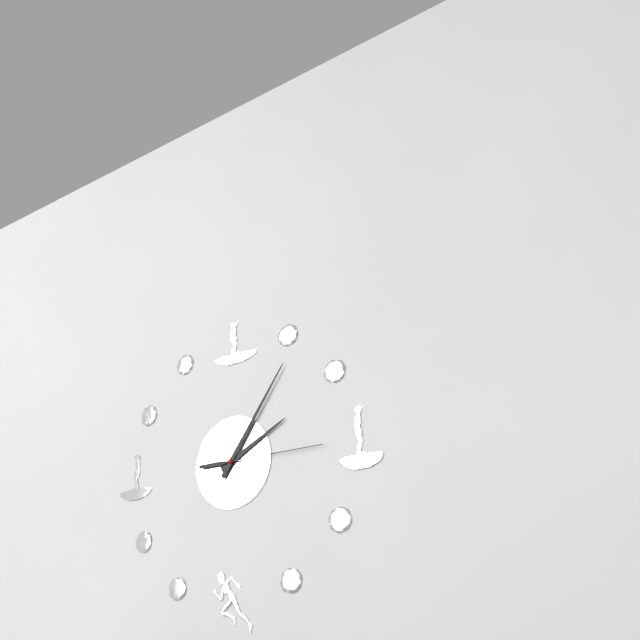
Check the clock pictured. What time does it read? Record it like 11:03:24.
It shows 2:06:15
